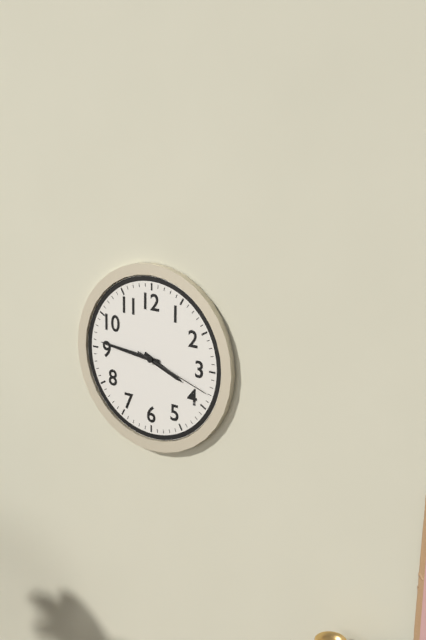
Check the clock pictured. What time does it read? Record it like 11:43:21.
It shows 3:46:18
